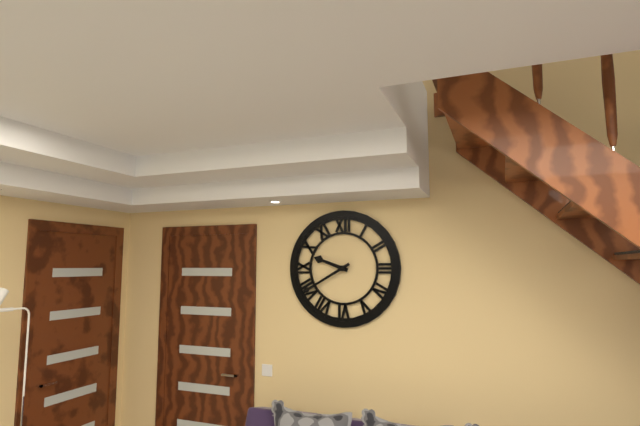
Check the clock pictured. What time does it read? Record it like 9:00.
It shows 9:40
